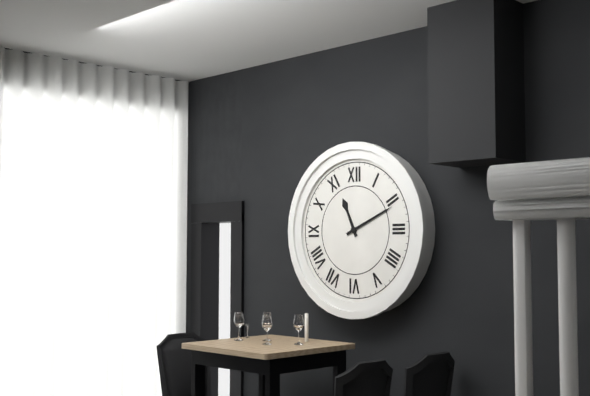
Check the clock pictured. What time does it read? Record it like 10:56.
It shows 11:11
